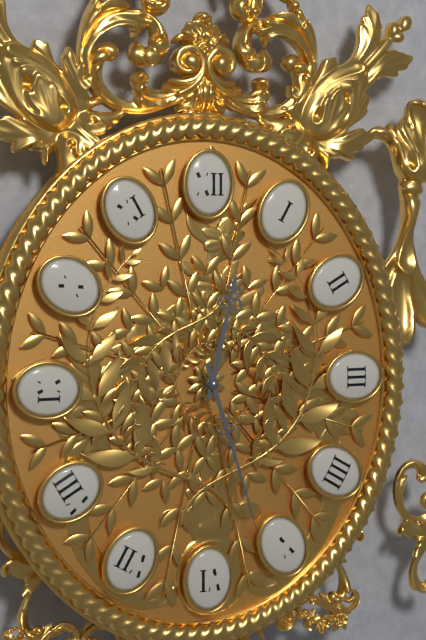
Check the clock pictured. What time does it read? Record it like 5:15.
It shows 12:27
